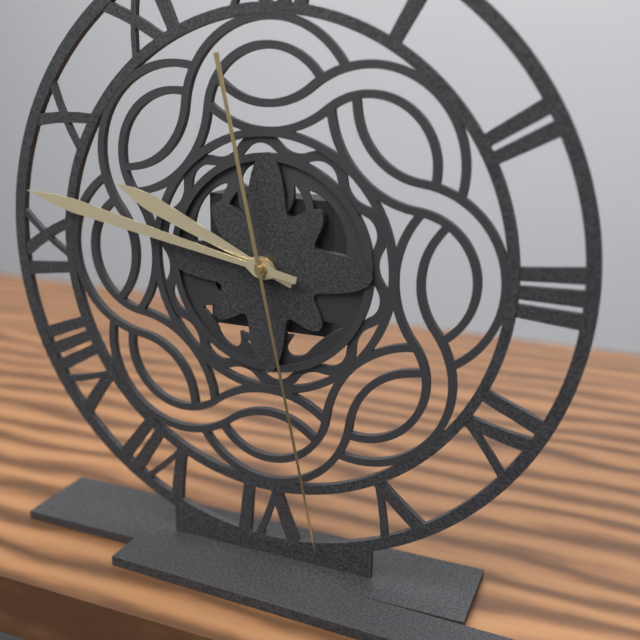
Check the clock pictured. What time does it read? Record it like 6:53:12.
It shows 9:47:28
